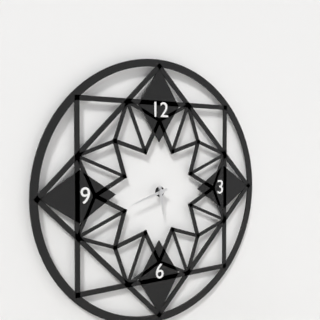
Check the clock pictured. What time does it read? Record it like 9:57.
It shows 5:42
